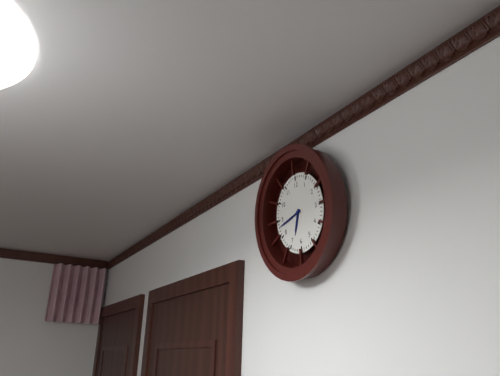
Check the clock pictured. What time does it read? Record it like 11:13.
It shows 6:43
